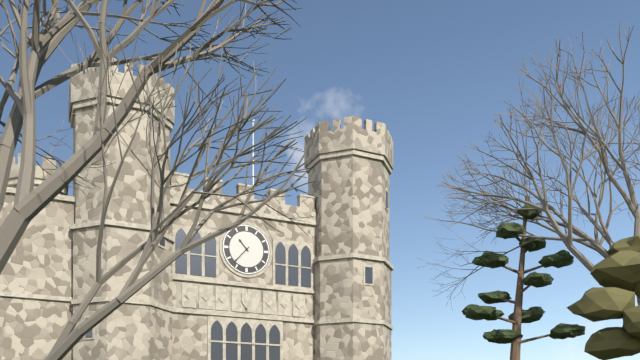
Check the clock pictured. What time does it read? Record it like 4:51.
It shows 10:37
